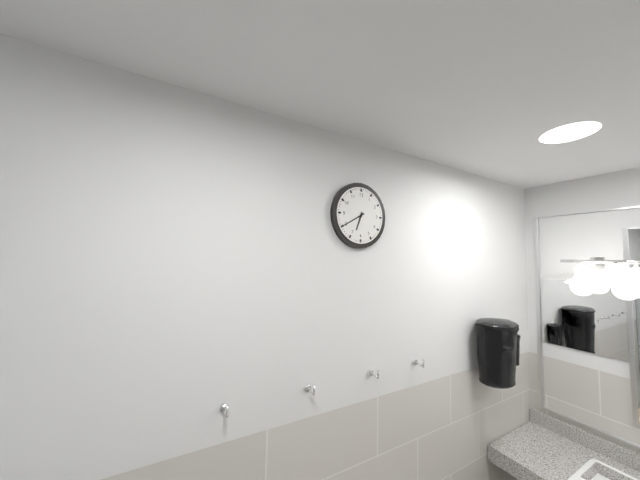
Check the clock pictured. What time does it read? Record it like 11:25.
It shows 6:40
